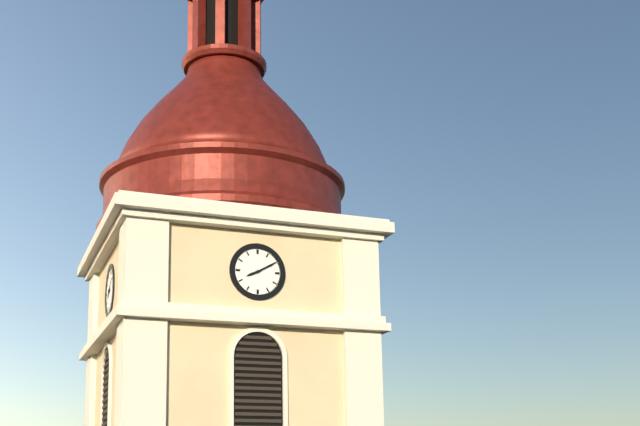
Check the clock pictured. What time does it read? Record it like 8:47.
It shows 8:10
